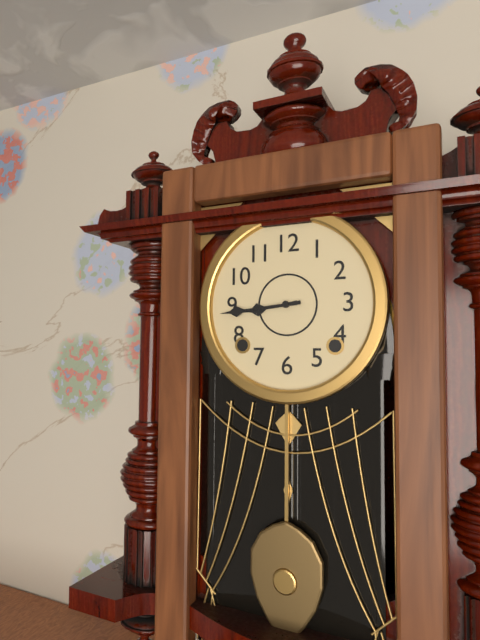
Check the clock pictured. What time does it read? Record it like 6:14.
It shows 8:44
